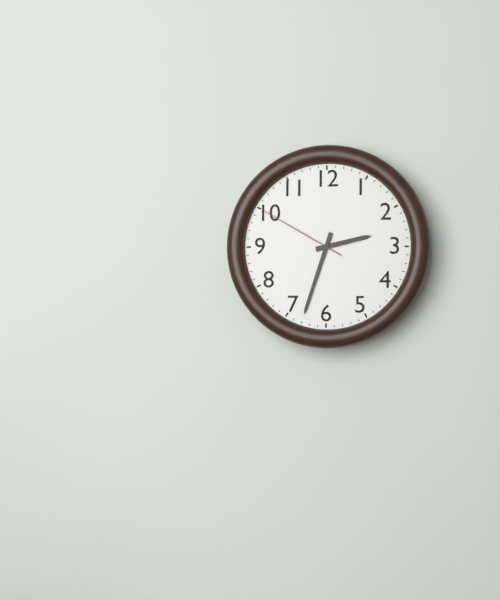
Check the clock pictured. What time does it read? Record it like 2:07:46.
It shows 2:33:50
